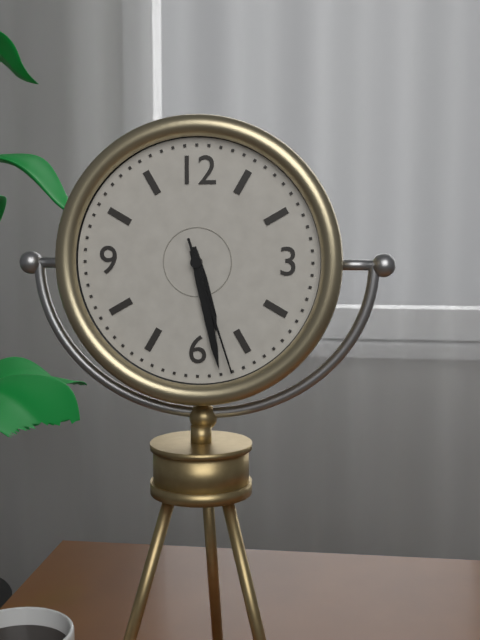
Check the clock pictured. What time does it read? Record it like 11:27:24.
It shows 5:28:27
